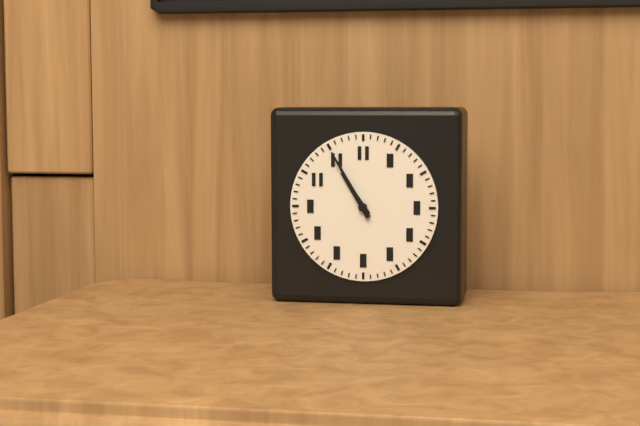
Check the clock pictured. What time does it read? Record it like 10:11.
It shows 10:55
